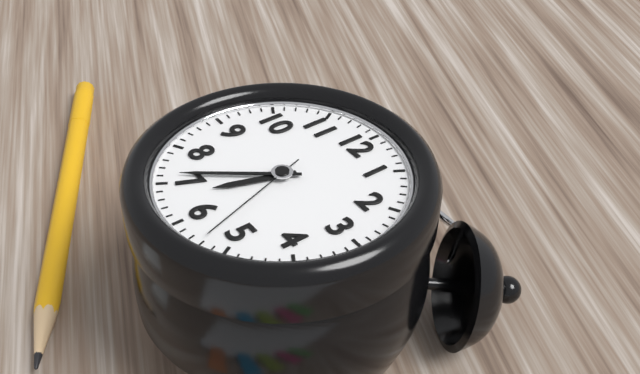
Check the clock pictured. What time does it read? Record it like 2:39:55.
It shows 6:36:27
